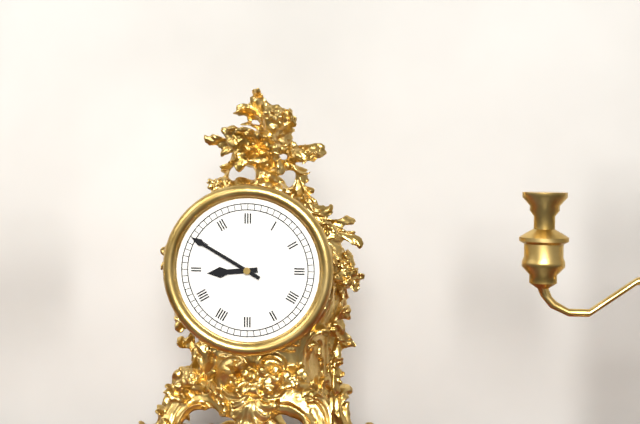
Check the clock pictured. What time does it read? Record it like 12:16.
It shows 8:50
